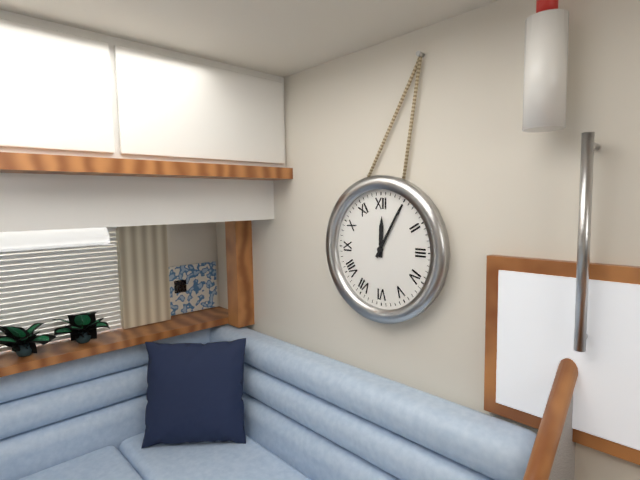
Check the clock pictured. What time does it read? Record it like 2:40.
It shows 12:05
